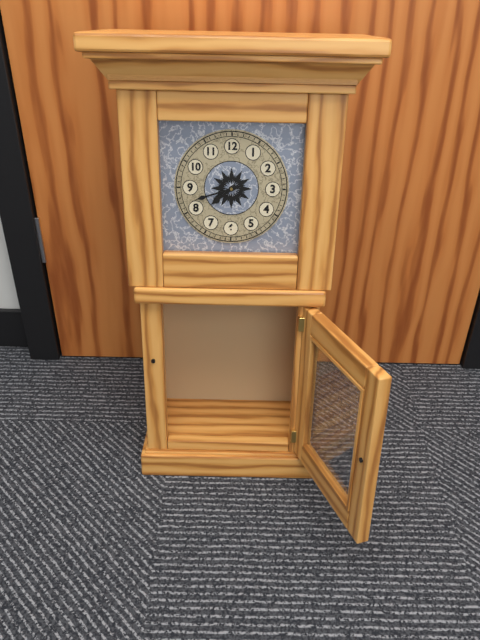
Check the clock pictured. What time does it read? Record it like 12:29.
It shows 7:42
